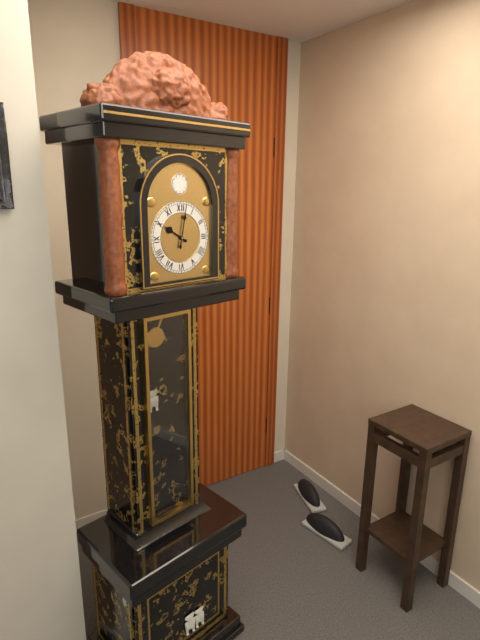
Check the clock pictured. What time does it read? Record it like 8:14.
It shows 10:02
